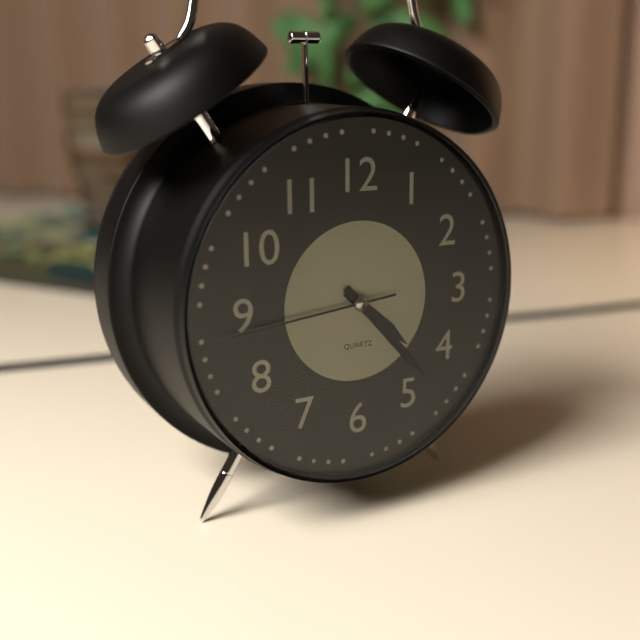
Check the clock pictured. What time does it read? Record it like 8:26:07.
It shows 4:23:44
